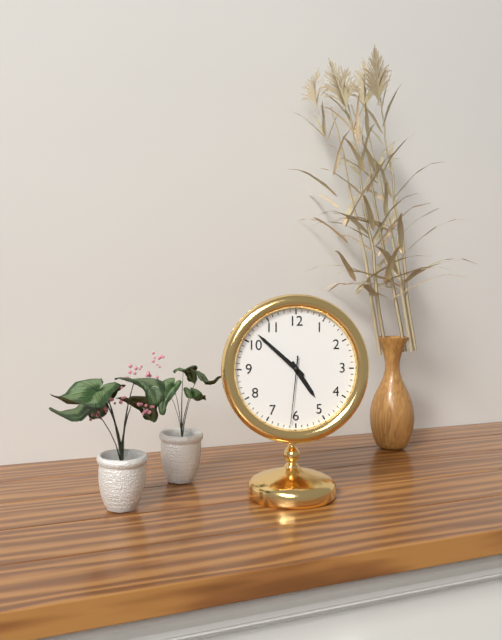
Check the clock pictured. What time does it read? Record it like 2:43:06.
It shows 4:52:31
